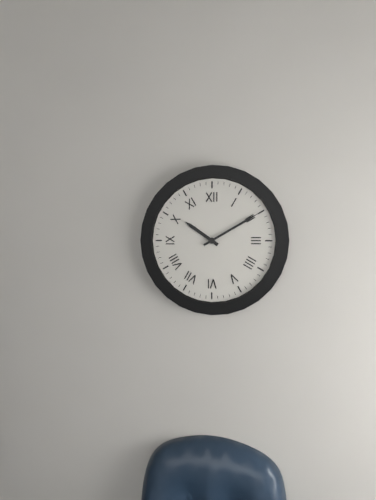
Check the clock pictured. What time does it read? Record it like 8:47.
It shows 10:10
